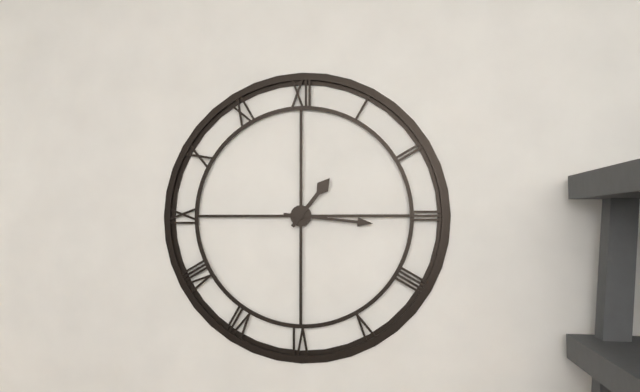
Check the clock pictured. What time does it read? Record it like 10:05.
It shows 1:16
